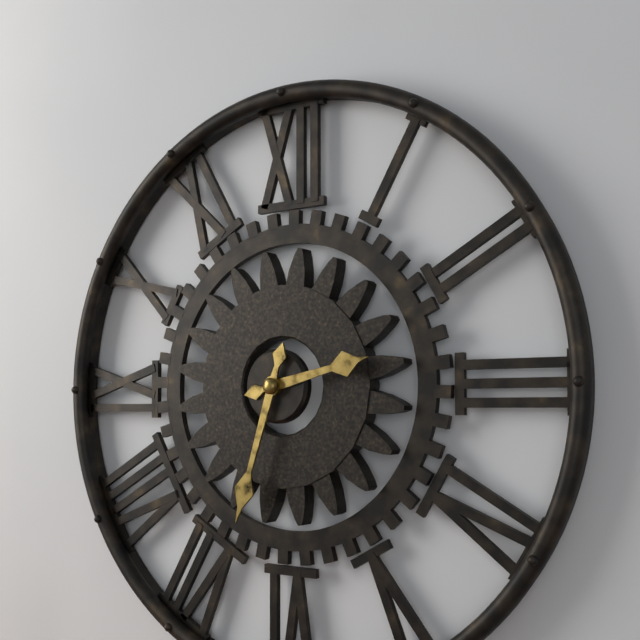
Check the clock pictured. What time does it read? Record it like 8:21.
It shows 2:33
